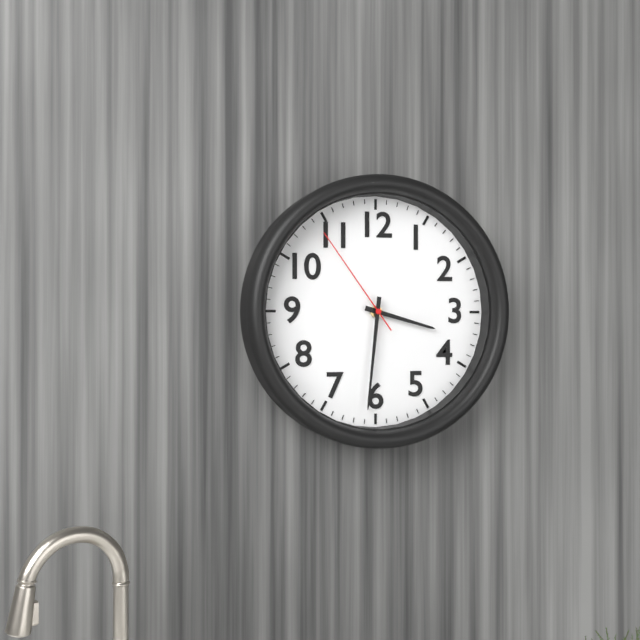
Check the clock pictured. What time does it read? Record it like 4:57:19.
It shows 3:31:54
